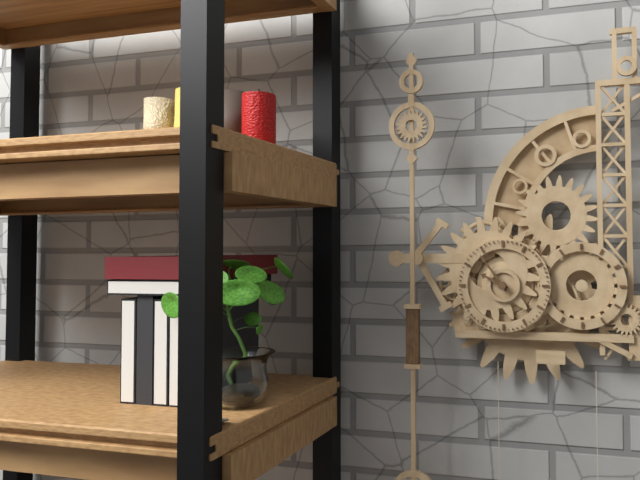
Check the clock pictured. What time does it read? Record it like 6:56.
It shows 9:54
